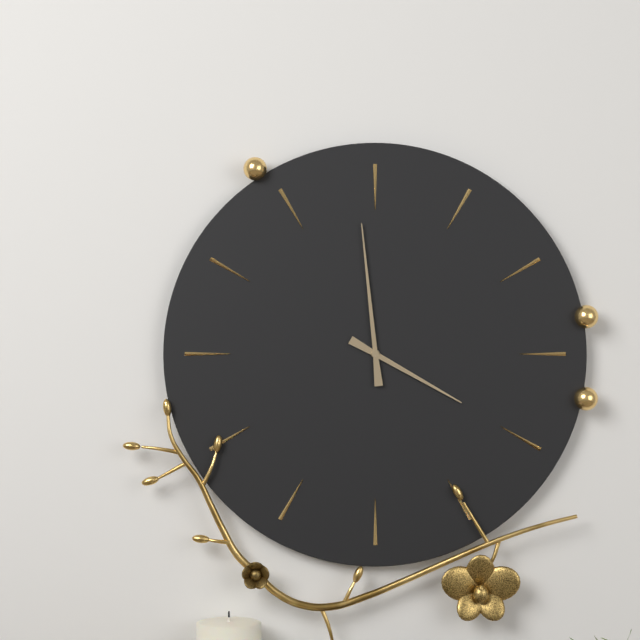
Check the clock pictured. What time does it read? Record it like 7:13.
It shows 3:59
